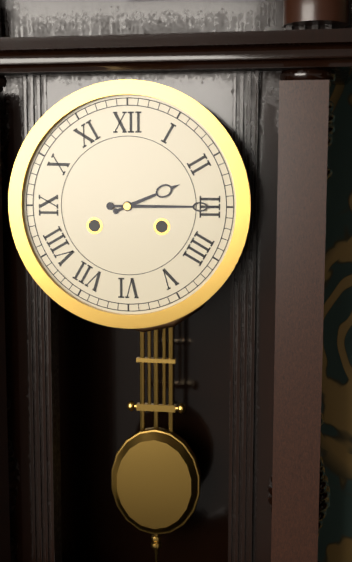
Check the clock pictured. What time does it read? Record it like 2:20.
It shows 2:15
